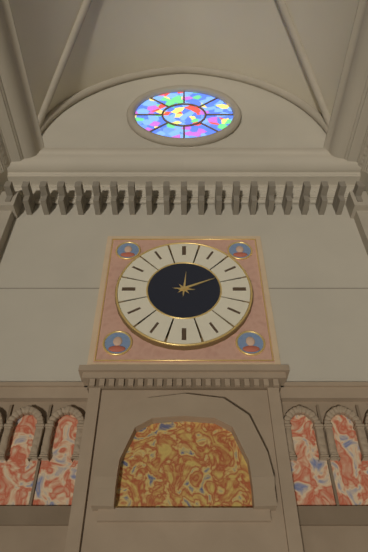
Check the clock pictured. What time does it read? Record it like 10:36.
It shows 12:11
